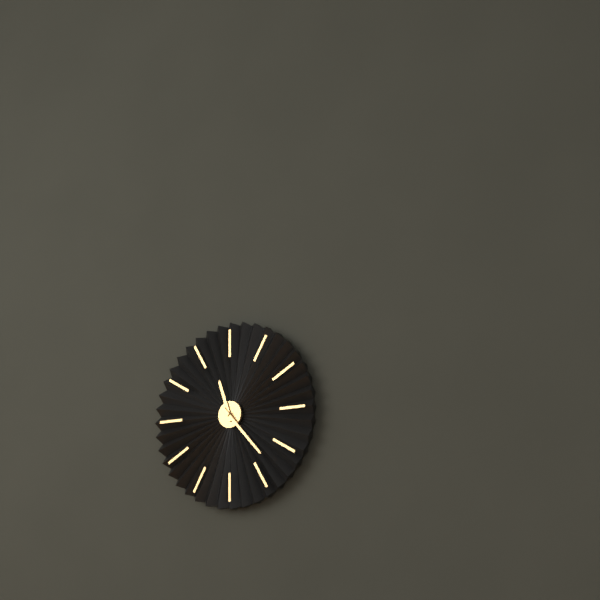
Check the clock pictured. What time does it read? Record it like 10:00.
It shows 11:23
